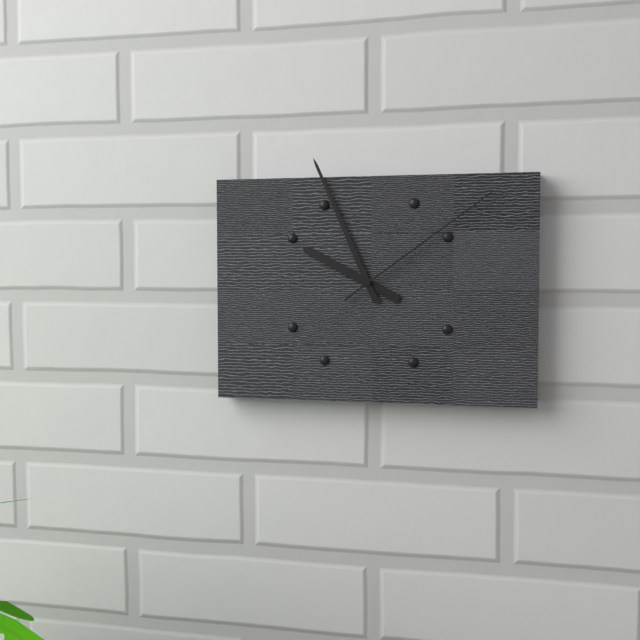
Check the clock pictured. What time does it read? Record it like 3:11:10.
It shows 9:56:09
